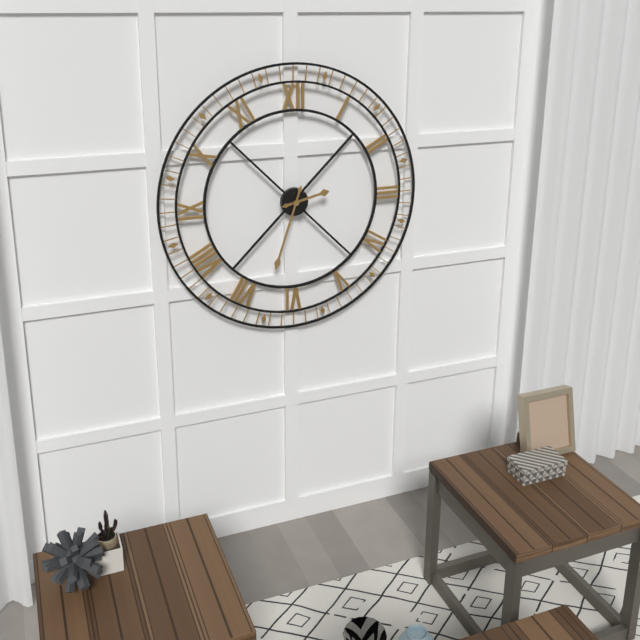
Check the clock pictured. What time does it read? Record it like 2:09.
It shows 2:33
